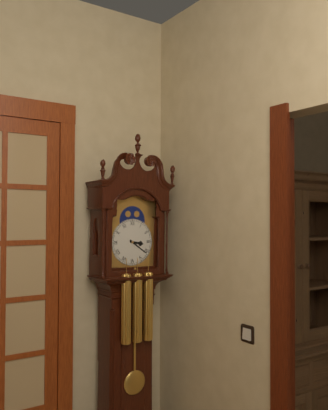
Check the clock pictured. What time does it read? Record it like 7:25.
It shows 3:21
